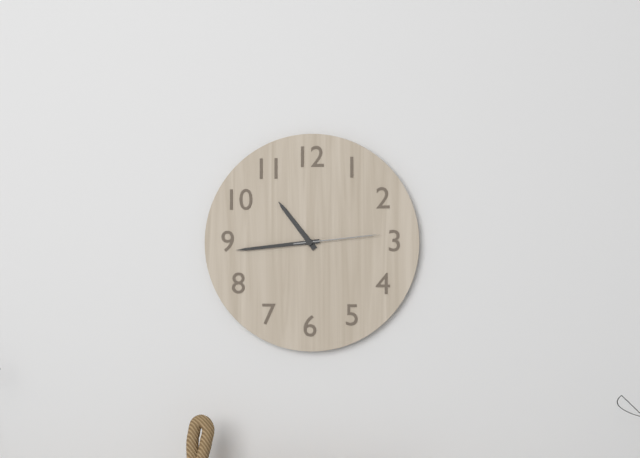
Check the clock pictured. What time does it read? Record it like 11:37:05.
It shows 10:44:14
